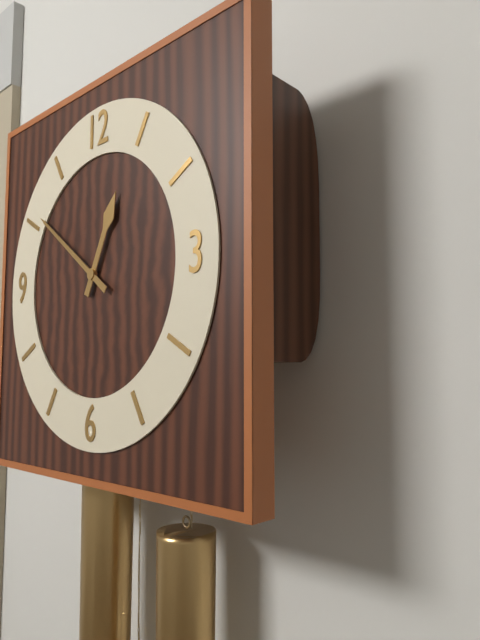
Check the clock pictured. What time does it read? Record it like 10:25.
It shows 12:51
